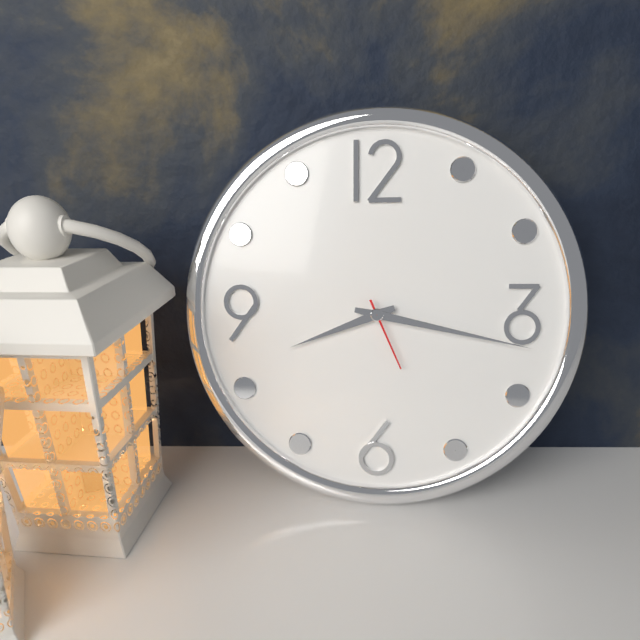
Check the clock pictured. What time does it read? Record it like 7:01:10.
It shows 8:17:26
